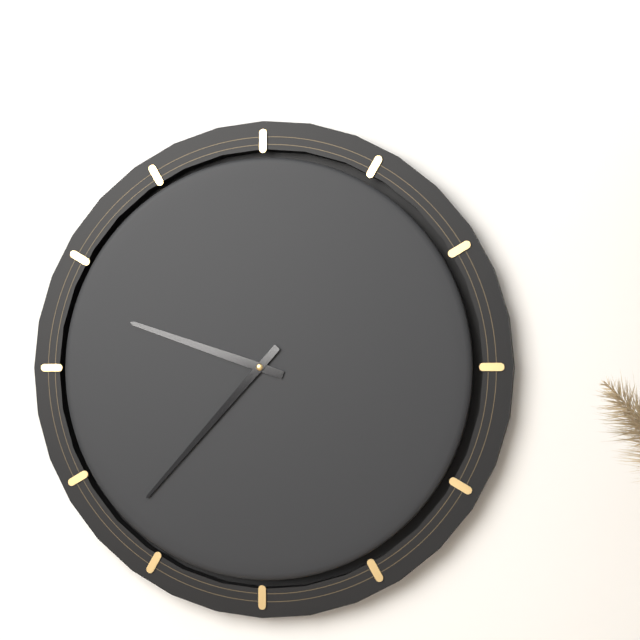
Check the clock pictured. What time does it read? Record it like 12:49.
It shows 9:37
